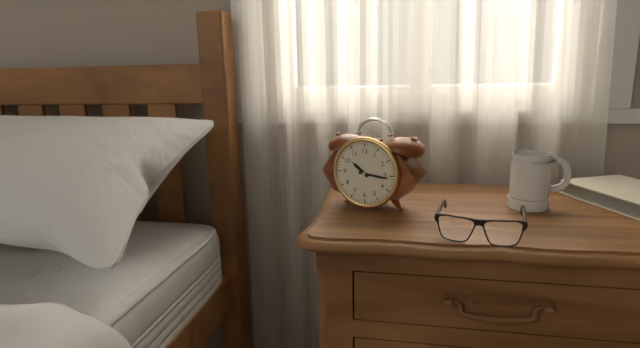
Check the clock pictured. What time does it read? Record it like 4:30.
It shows 10:16
